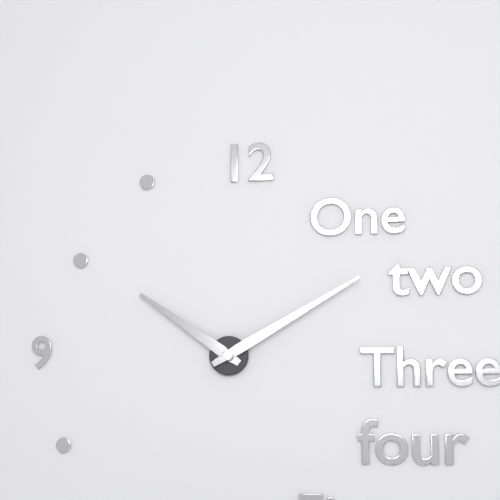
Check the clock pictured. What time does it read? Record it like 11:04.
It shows 10:10
